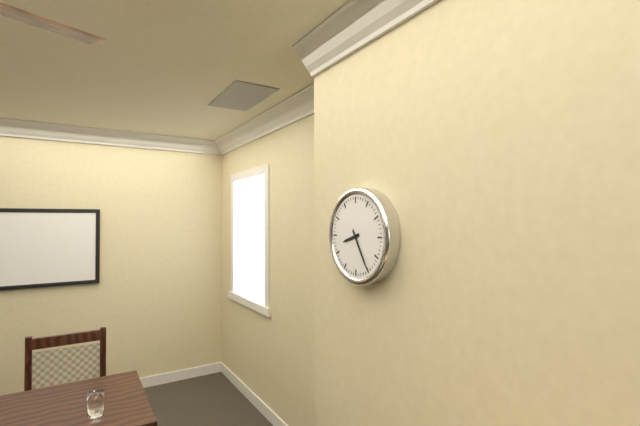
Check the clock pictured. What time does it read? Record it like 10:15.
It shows 8:25
